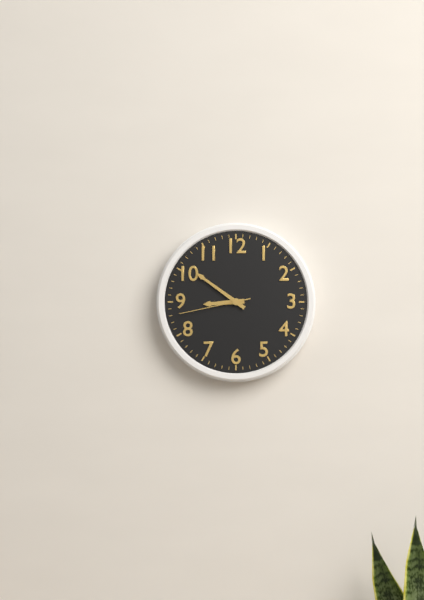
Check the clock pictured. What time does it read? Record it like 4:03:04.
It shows 8:51:43
